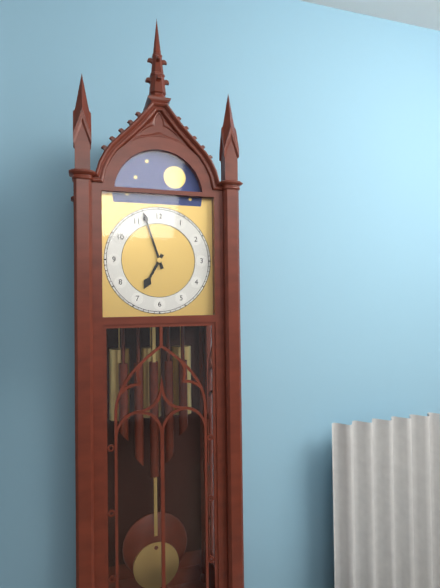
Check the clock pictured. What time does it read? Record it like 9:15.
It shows 6:57
